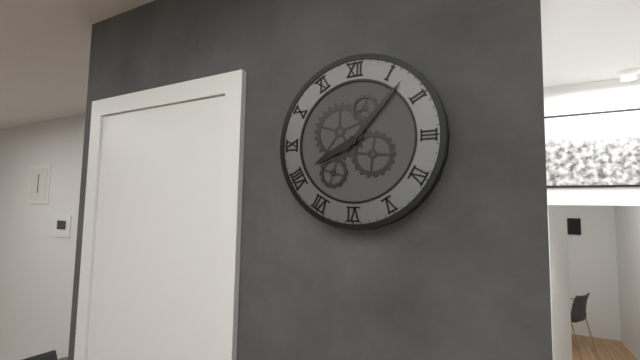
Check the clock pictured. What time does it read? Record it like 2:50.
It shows 8:07
